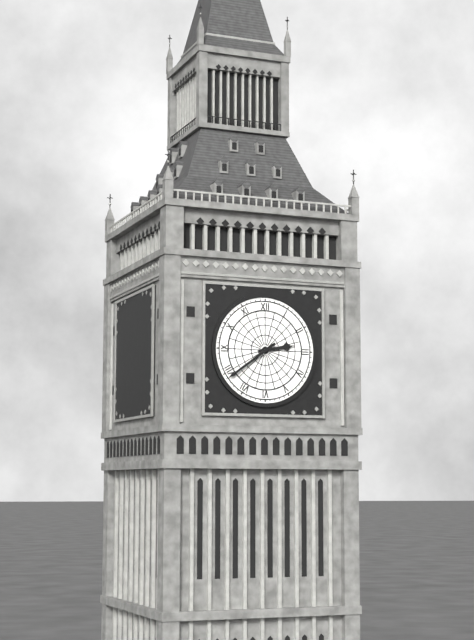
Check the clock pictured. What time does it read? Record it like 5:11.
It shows 2:39
